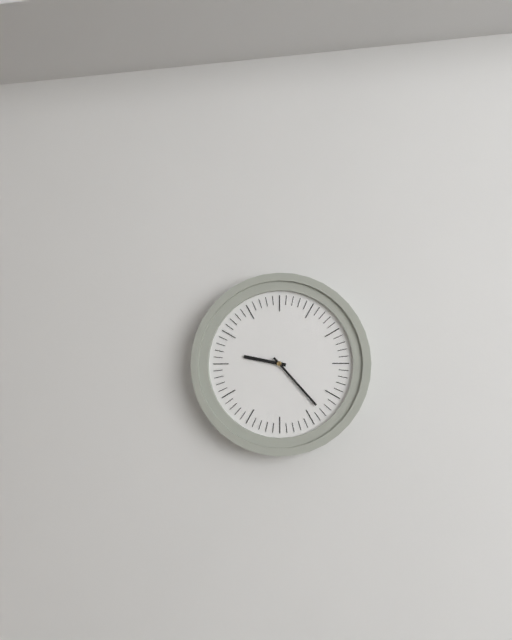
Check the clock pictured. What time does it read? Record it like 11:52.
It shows 9:23
